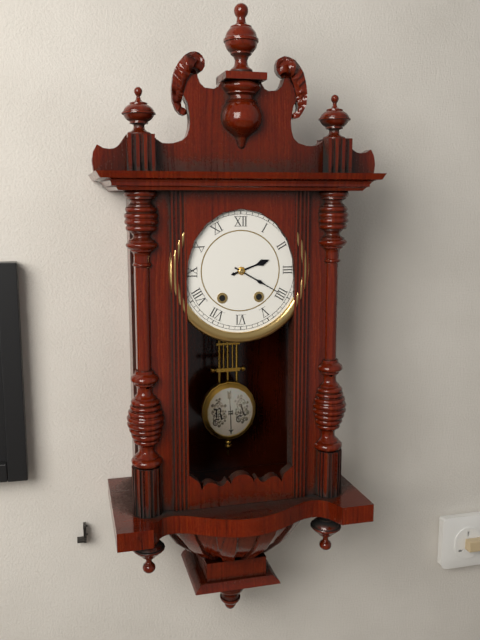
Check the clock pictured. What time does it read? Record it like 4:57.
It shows 2:20
